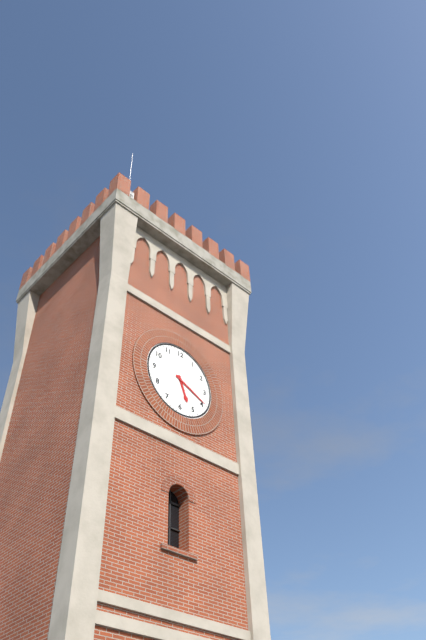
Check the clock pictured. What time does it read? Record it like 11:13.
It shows 5:19
